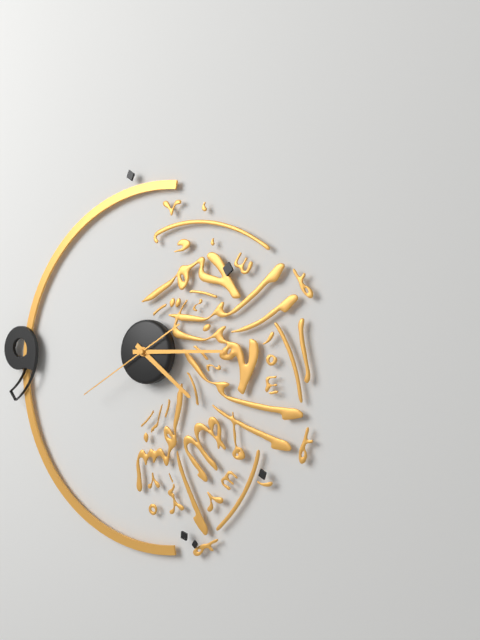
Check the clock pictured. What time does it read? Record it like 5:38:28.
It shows 4:15:40
